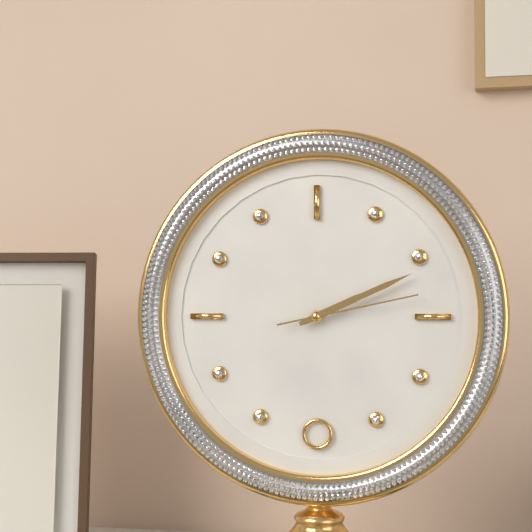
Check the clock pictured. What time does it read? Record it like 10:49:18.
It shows 2:11:13
